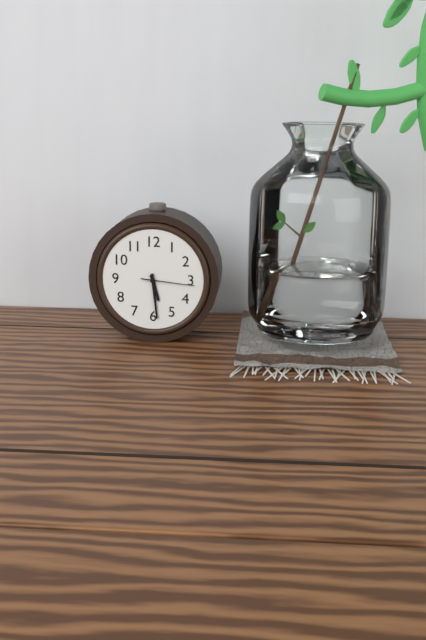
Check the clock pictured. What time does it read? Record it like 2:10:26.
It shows 5:29:16
